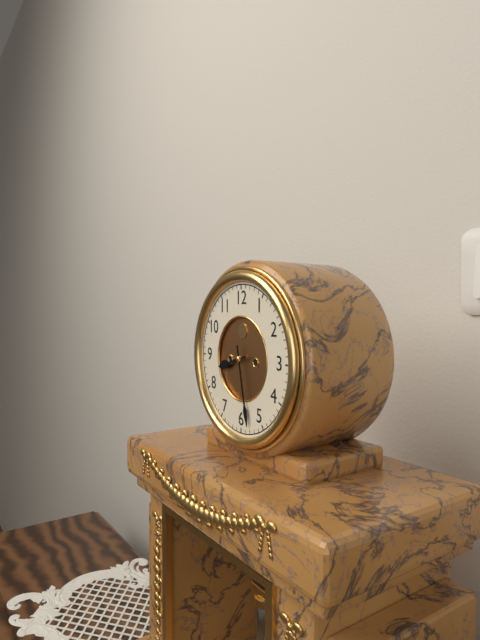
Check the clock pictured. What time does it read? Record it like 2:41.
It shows 8:28
